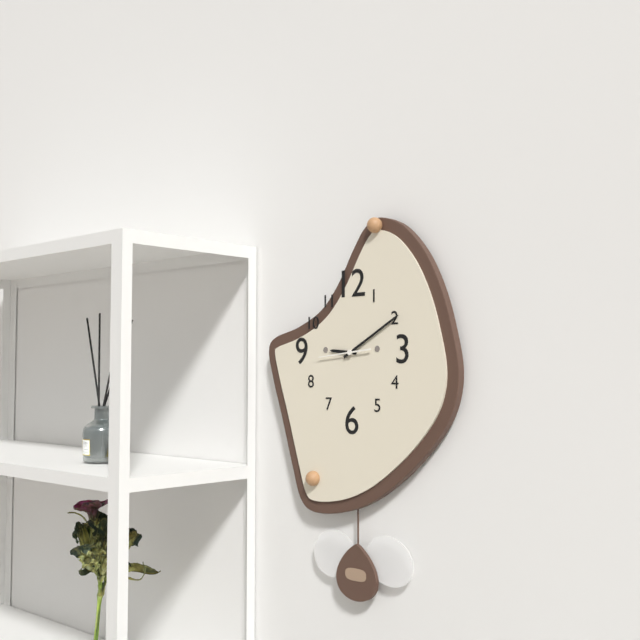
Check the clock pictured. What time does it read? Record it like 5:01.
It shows 9:10
